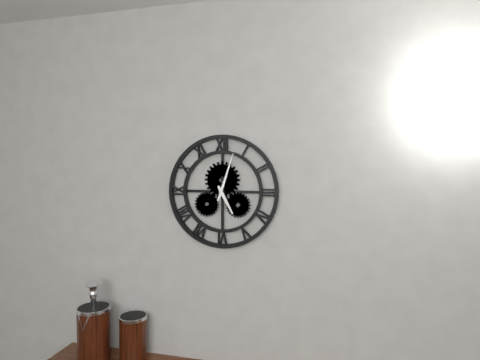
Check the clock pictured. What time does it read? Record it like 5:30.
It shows 5:03
